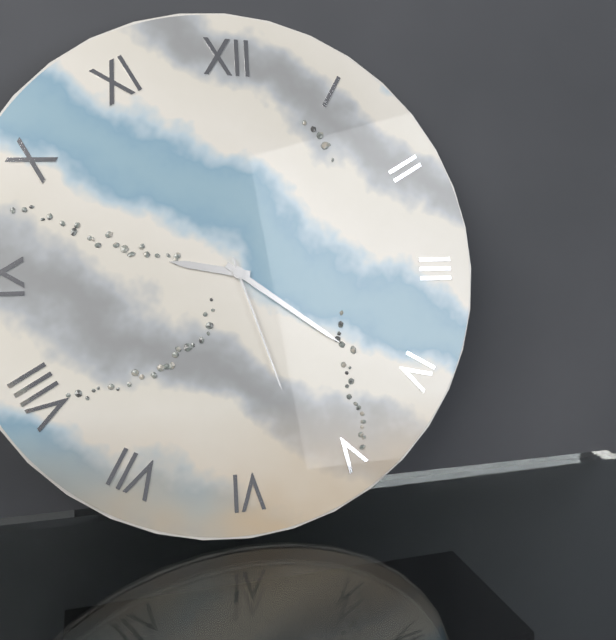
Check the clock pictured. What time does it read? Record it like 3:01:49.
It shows 9:21:27
